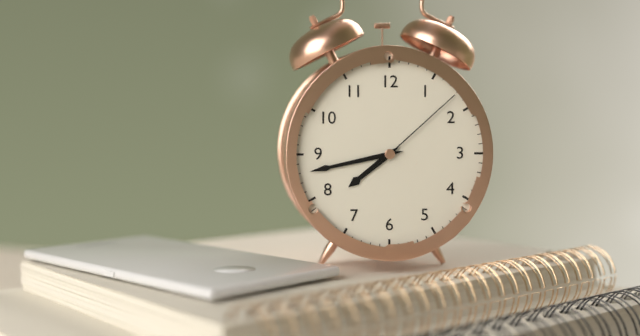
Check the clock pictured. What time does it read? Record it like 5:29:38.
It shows 7:43:08
